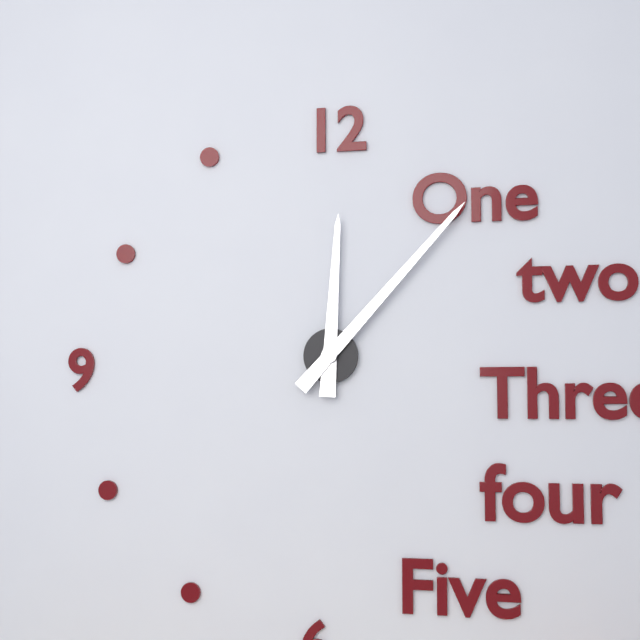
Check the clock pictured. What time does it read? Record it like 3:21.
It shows 12:07
